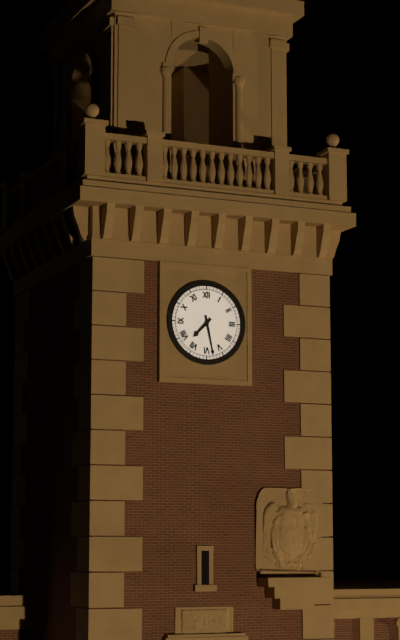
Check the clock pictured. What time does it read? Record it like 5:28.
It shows 7:28
